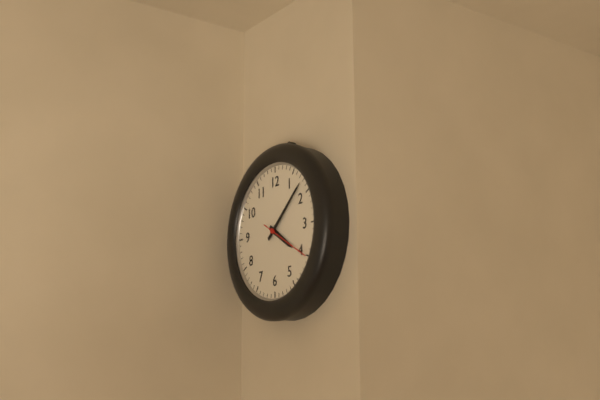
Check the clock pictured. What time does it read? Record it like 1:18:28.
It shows 4:08:20
